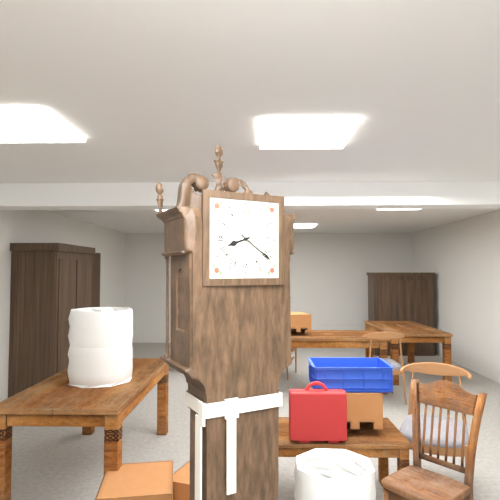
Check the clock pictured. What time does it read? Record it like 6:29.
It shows 8:21
